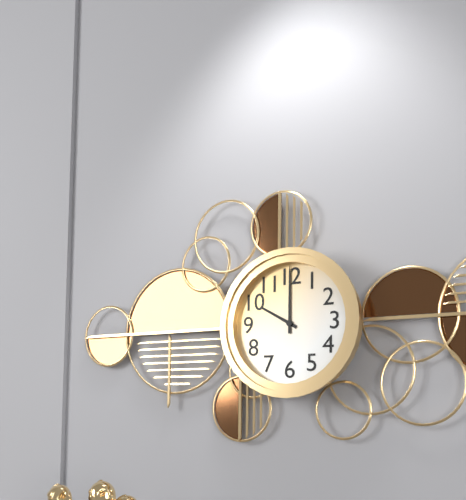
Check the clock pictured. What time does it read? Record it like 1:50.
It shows 10:00
